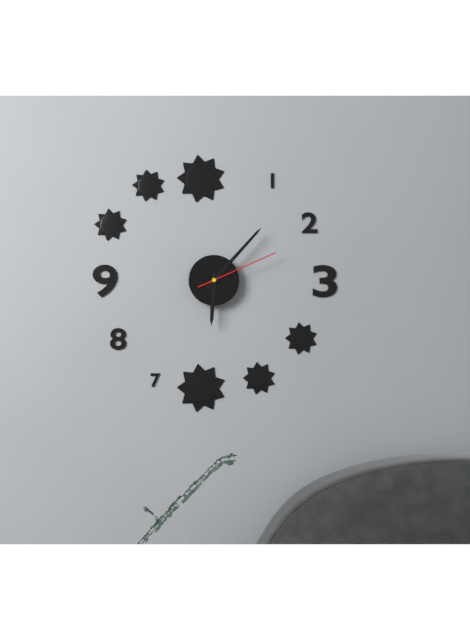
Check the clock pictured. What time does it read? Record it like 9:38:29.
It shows 6:07:11
